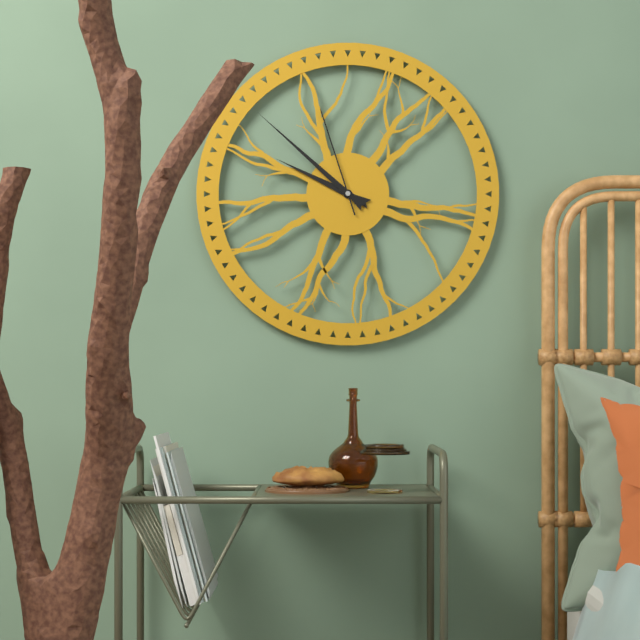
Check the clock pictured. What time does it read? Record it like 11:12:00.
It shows 9:52:57
